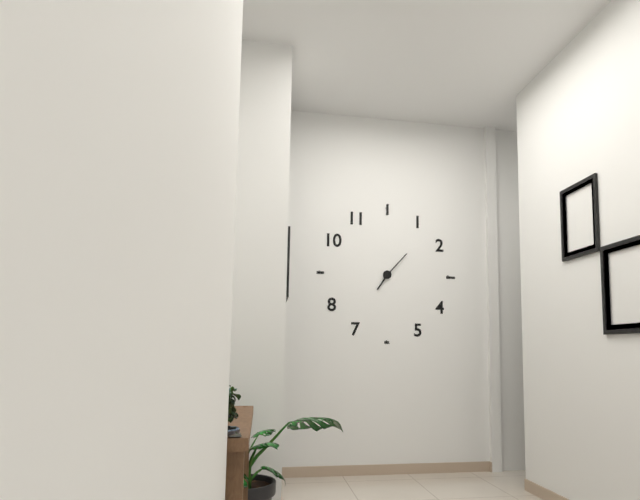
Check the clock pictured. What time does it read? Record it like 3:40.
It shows 7:07
